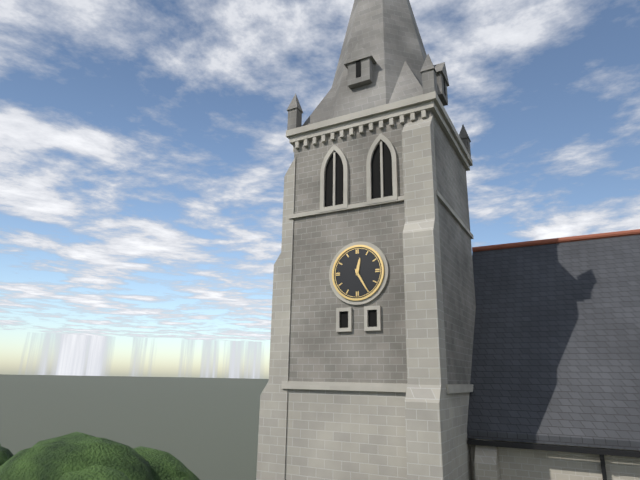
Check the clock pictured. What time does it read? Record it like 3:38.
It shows 12:25
